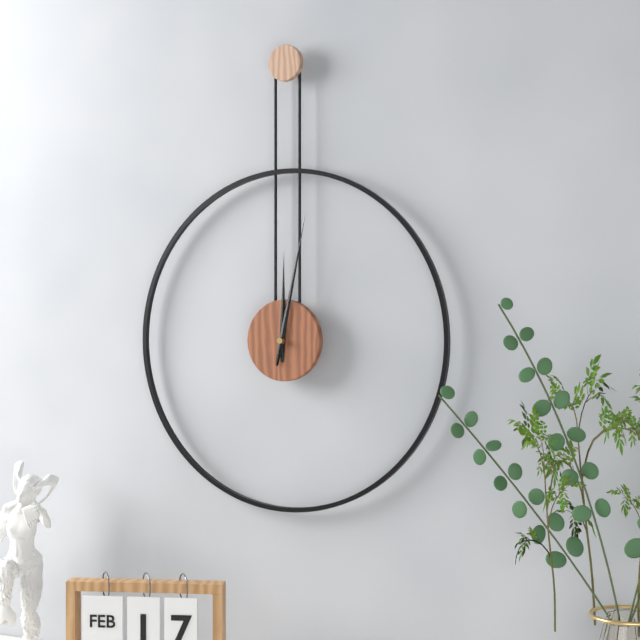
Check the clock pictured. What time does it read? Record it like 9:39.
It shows 12:02
